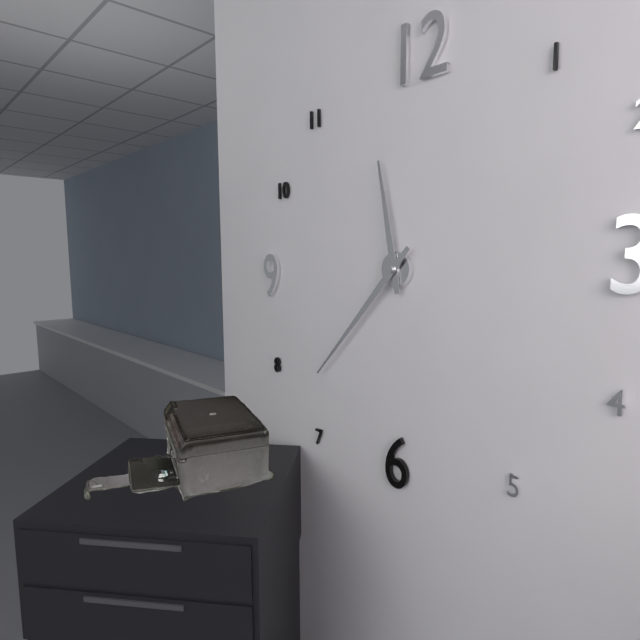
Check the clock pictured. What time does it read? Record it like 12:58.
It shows 11:37
